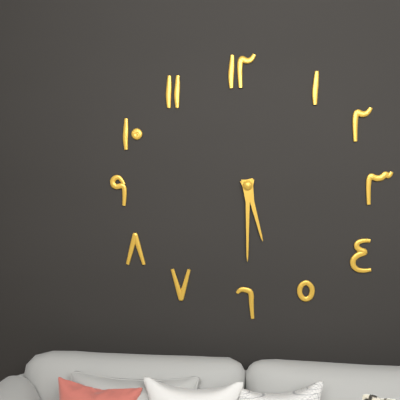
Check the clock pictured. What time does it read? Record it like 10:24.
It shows 5:30
